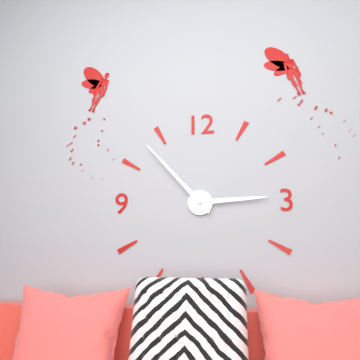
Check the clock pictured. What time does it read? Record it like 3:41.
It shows 2:53
